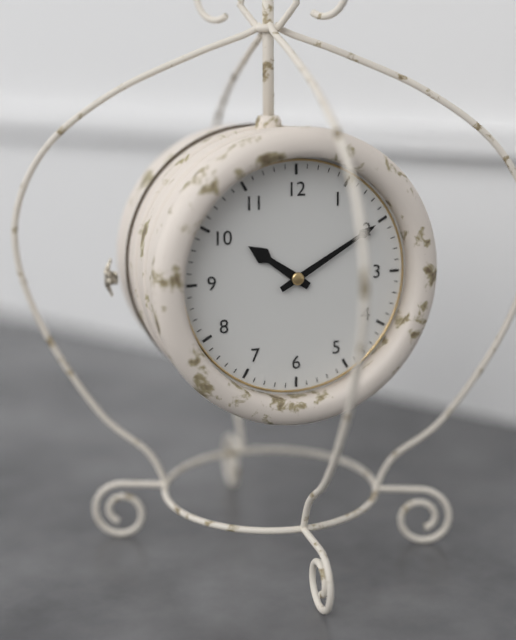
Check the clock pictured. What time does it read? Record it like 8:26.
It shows 10:10
